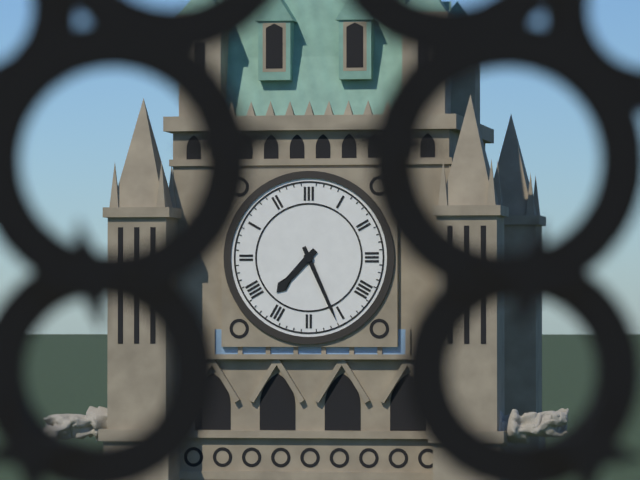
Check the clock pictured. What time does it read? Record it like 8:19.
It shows 7:26
